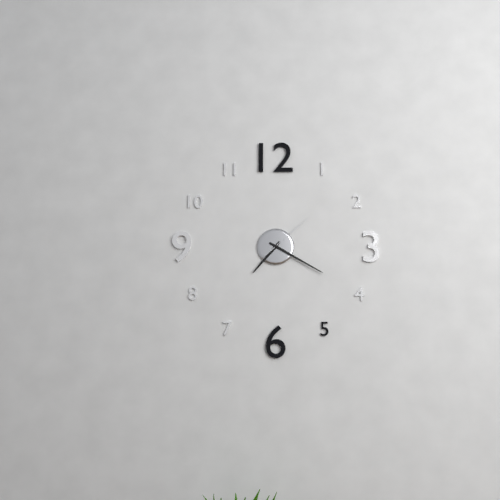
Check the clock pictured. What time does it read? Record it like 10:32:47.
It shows 7:20:08
